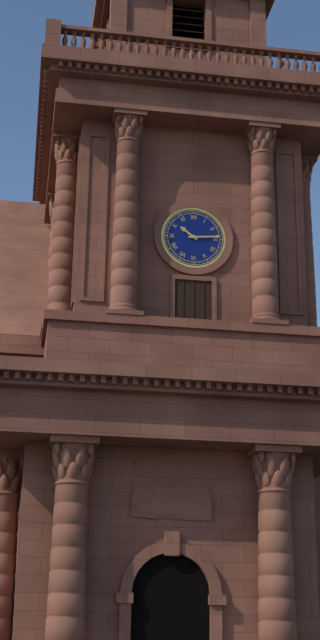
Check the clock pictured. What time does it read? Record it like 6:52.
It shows 10:14
